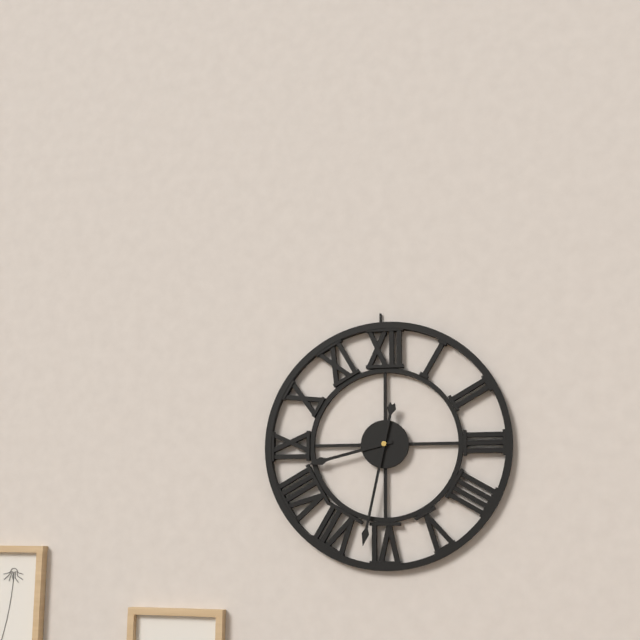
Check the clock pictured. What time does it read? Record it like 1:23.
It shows 8:32
